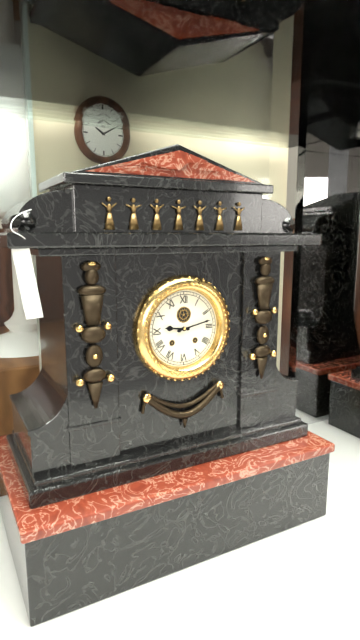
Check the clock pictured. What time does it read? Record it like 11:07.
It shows 9:13
